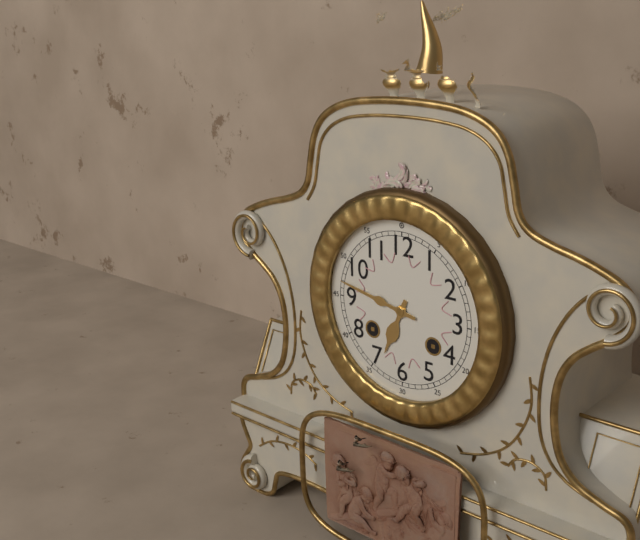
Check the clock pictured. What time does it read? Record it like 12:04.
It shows 6:47
